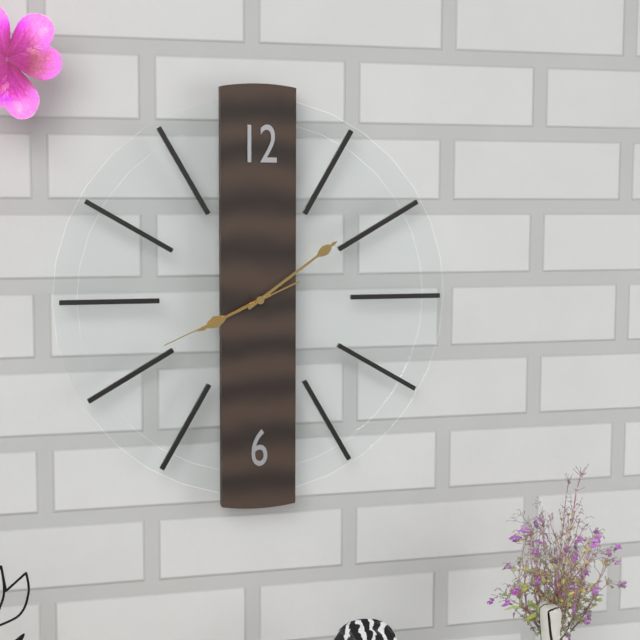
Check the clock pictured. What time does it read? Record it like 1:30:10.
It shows 8:09:41
